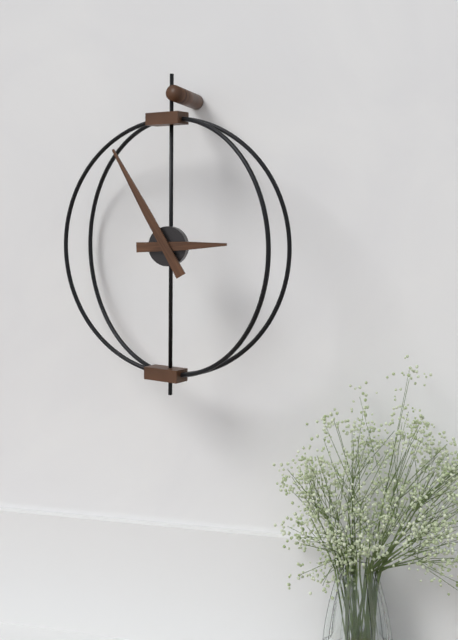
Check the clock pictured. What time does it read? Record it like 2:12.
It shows 2:55
